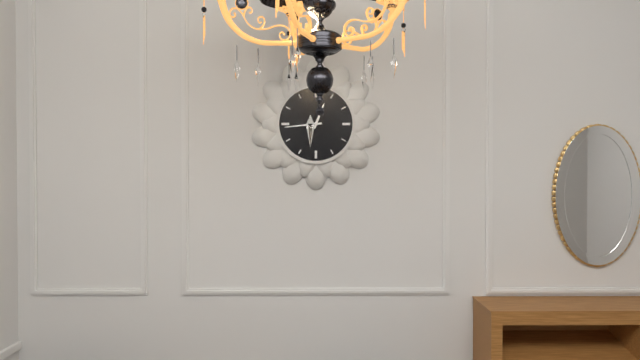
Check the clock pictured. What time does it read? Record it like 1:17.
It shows 12:44
